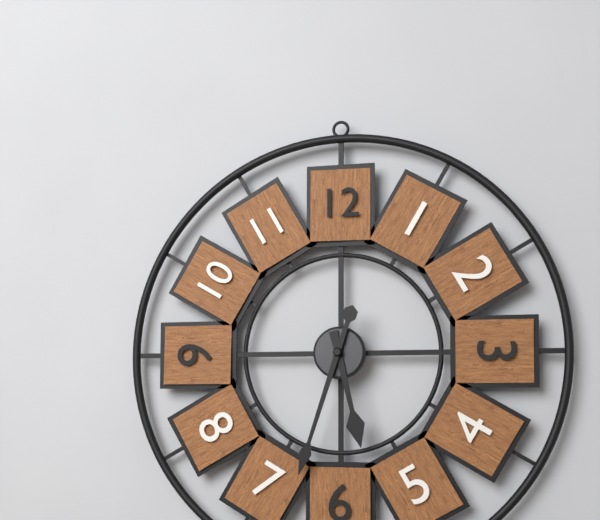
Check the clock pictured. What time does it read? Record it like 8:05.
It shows 5:33
